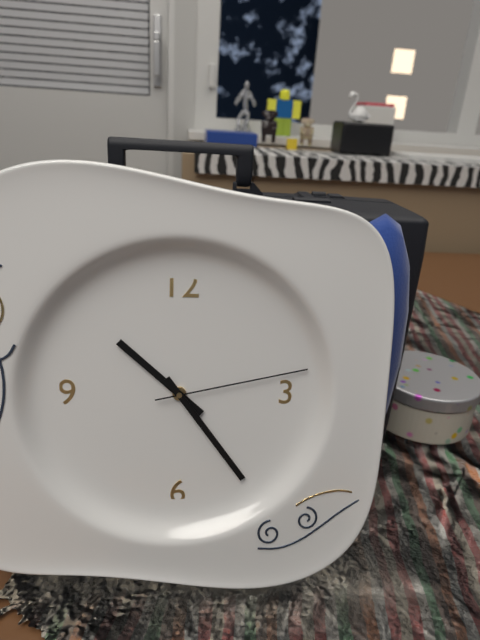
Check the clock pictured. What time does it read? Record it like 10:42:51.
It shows 10:24:13
